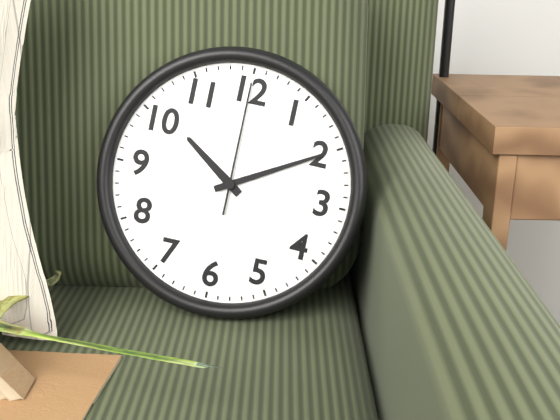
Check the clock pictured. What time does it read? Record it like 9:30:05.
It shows 10:10:00
